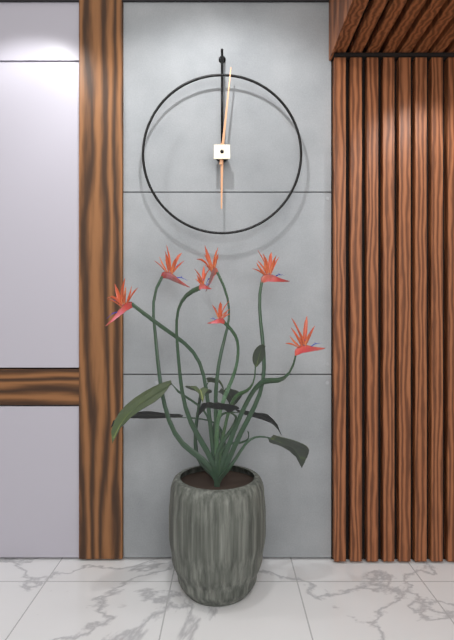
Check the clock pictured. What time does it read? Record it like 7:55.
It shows 6:01
